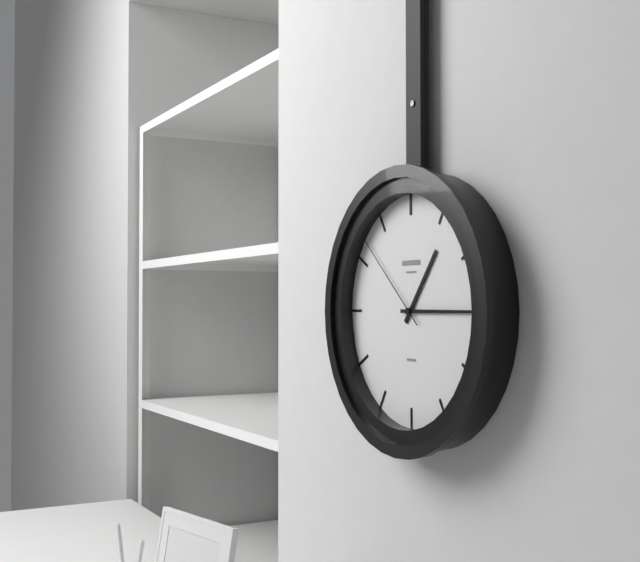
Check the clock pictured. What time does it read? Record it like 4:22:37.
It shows 1:15:52
